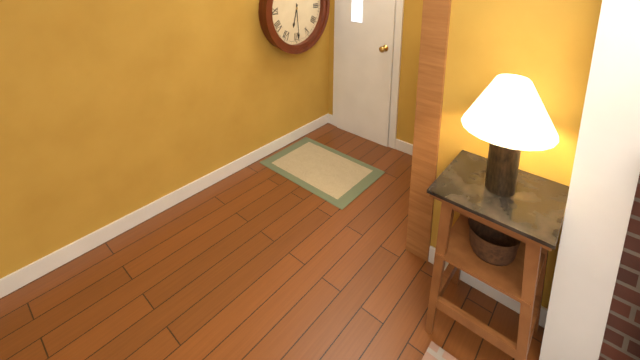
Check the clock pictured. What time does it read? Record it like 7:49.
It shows 6:29
